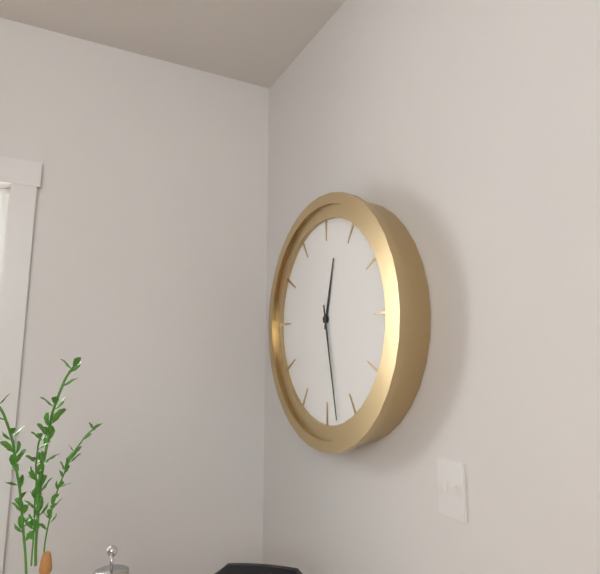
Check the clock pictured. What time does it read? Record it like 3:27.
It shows 12:28
